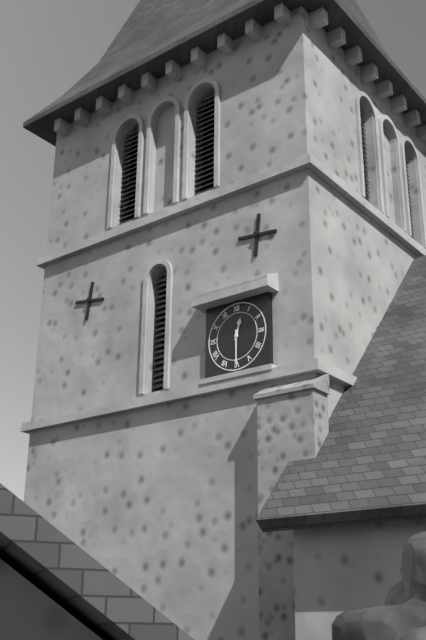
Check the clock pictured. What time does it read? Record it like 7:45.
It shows 12:30
